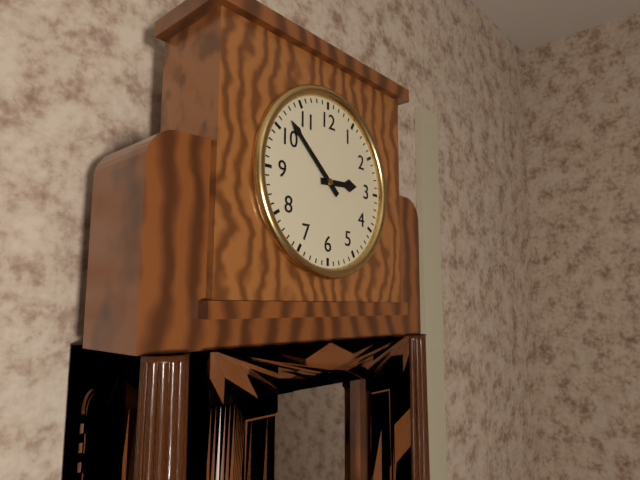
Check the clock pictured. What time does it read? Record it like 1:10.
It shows 2:52
